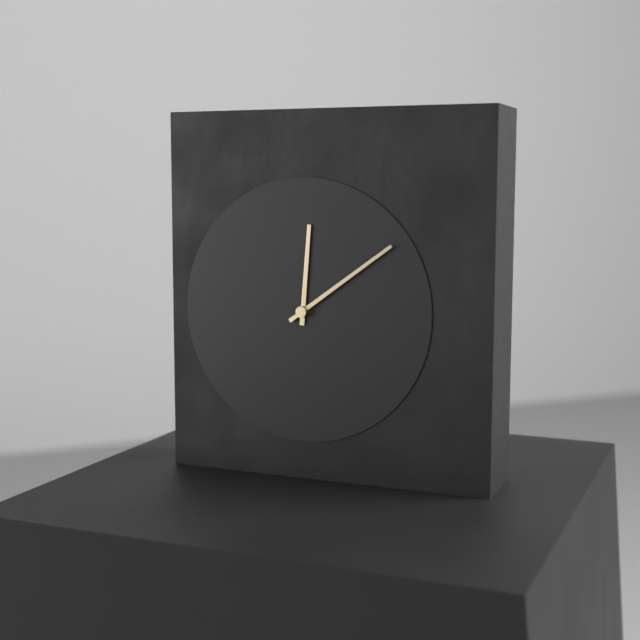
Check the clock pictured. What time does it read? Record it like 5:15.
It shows 12:09
